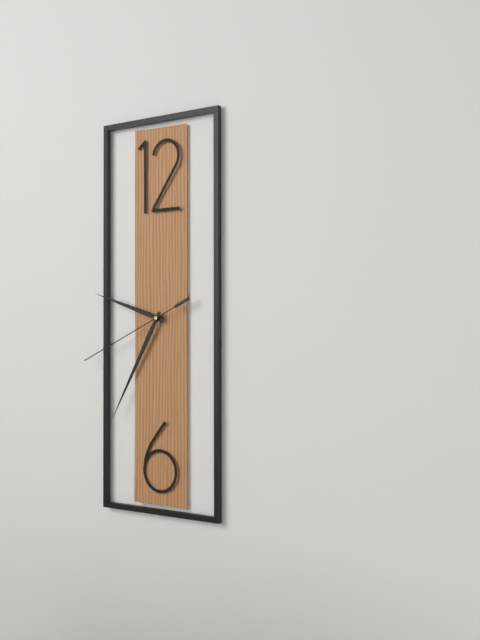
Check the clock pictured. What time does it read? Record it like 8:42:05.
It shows 9:35:41
